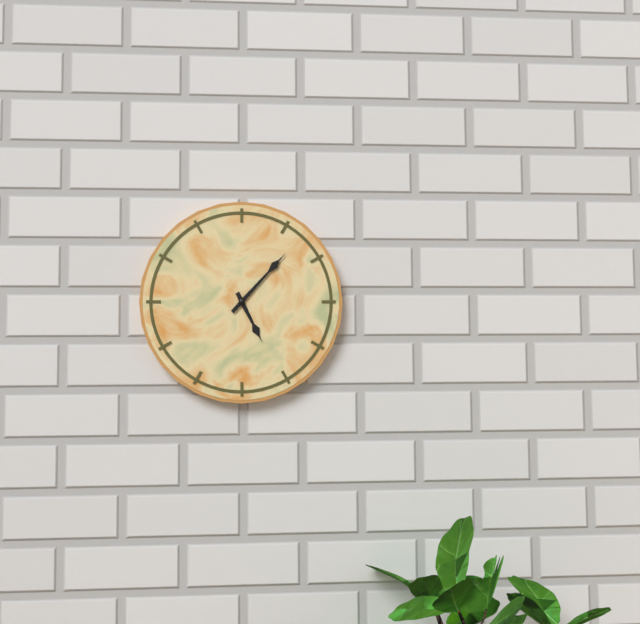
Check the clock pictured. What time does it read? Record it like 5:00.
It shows 5:07
